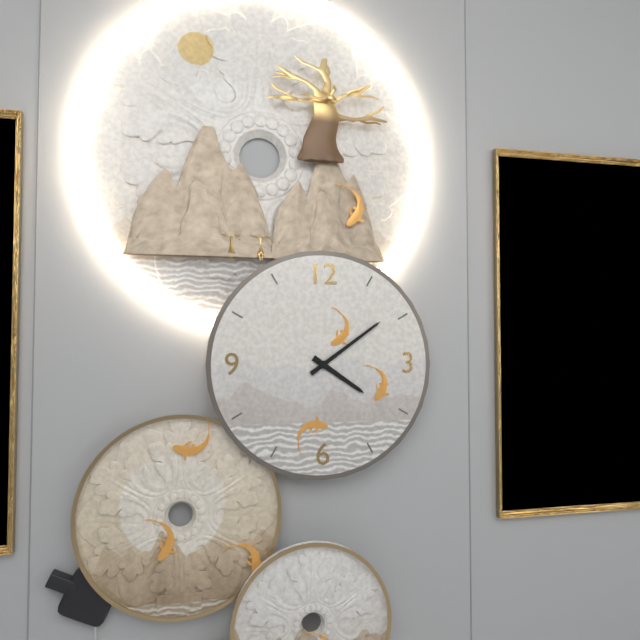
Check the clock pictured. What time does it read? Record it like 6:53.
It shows 4:09
